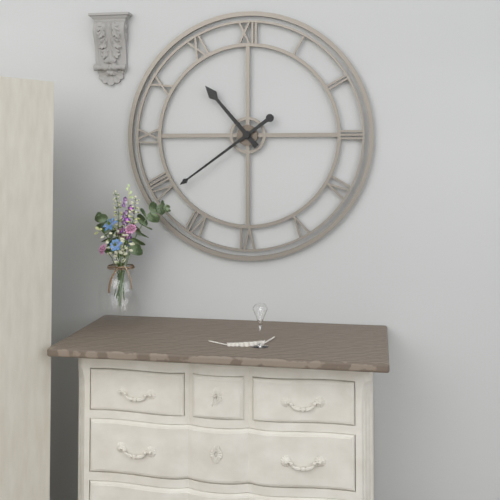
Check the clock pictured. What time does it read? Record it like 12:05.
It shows 10:39
